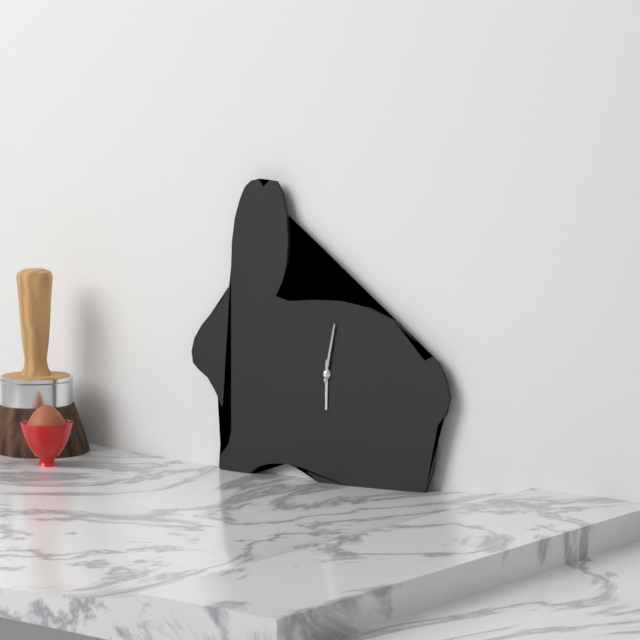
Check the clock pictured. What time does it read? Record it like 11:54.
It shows 6:02
